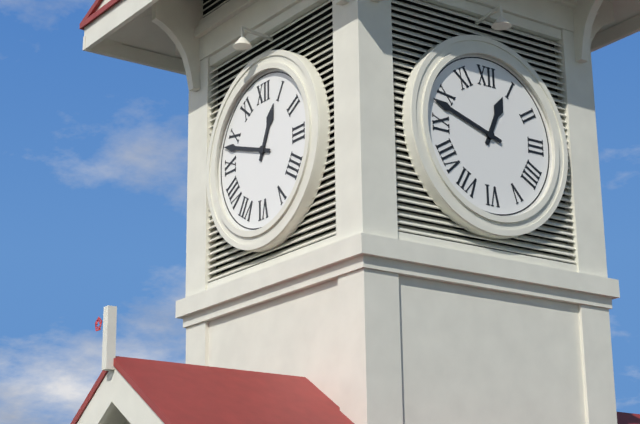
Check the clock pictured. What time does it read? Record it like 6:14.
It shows 12:48
